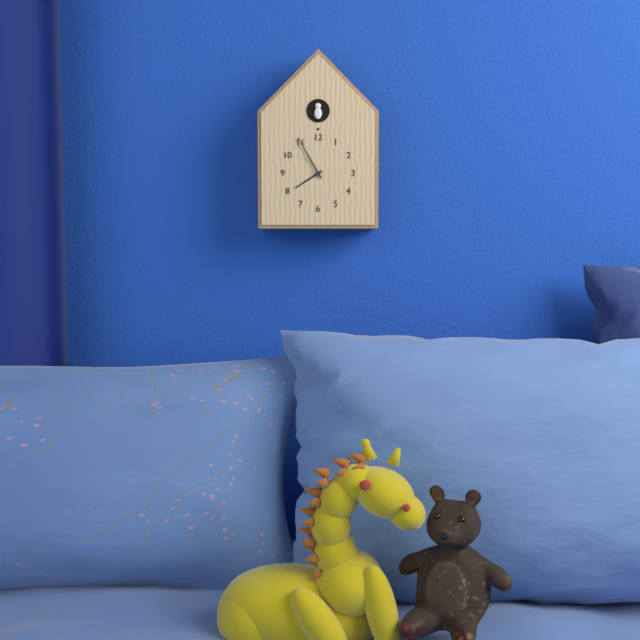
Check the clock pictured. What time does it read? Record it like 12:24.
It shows 7:55
